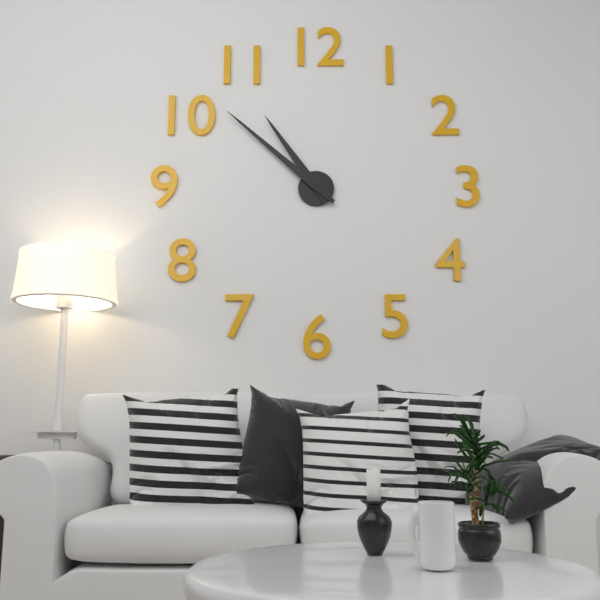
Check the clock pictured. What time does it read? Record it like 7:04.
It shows 10:52
